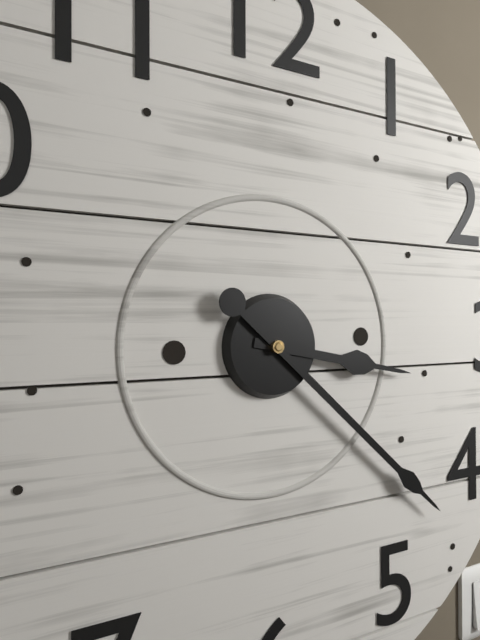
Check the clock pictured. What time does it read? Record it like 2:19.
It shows 3:22
